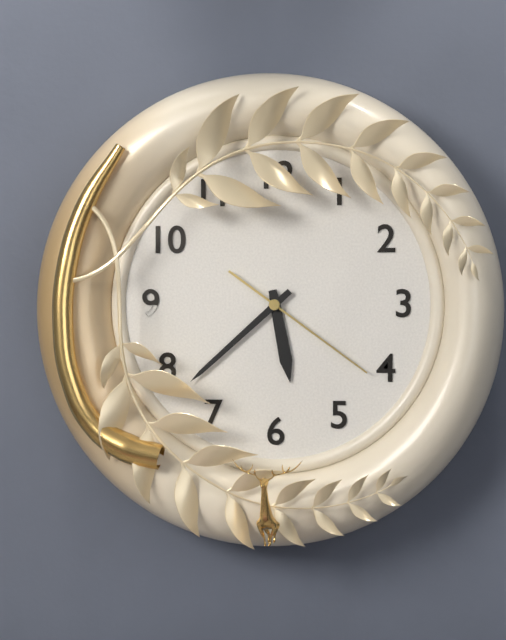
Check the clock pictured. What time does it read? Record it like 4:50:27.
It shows 5:38:21
